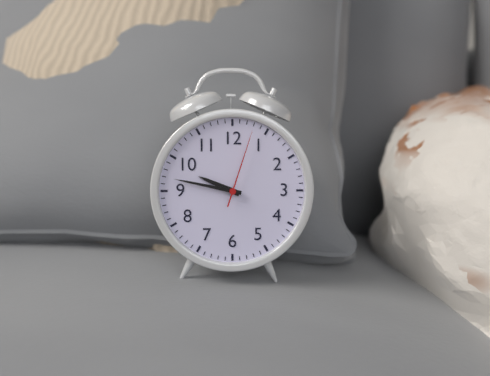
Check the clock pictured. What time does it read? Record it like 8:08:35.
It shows 9:47:03
